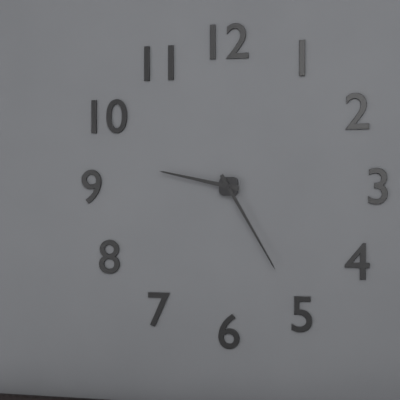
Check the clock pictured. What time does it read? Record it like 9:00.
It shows 9:25
